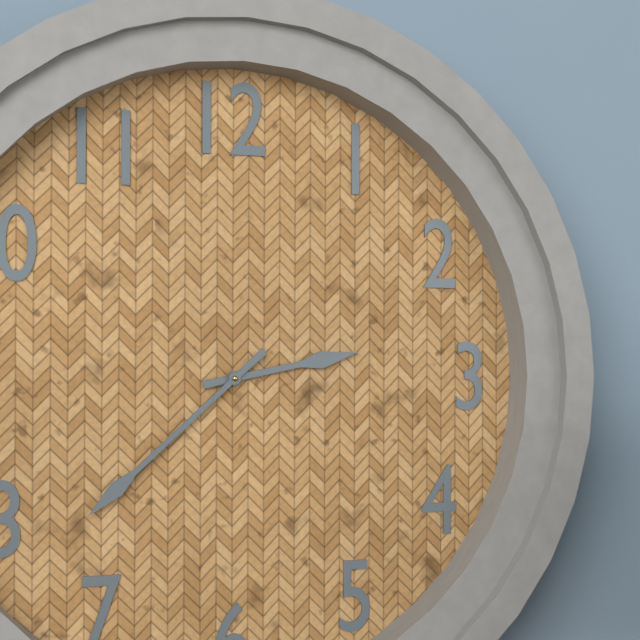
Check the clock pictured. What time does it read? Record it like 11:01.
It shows 2:38
